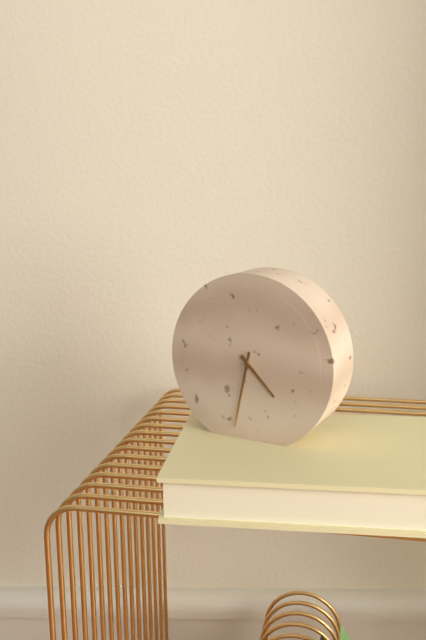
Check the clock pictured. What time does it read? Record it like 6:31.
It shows 4:32
